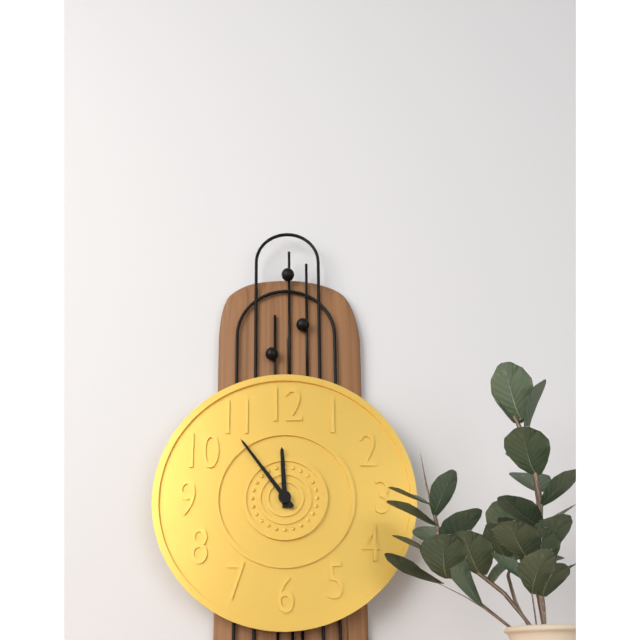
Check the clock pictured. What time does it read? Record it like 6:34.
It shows 11:54
